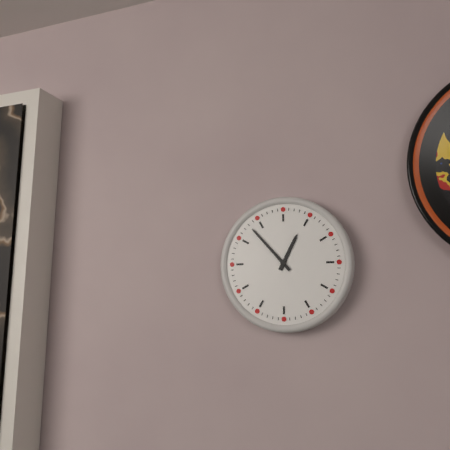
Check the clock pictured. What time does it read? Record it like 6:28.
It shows 12:53
